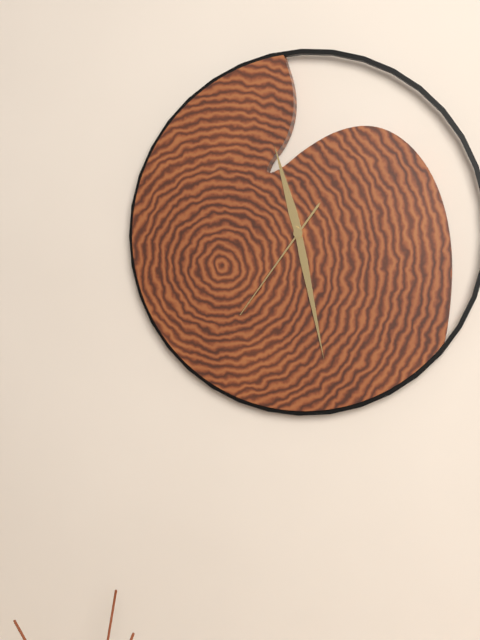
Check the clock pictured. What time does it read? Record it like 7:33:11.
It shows 11:28:36
